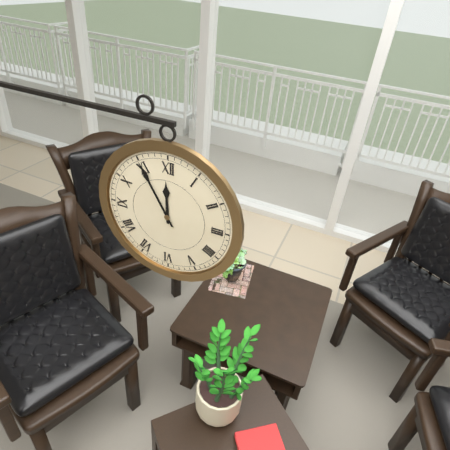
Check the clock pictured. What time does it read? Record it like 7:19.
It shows 11:55
